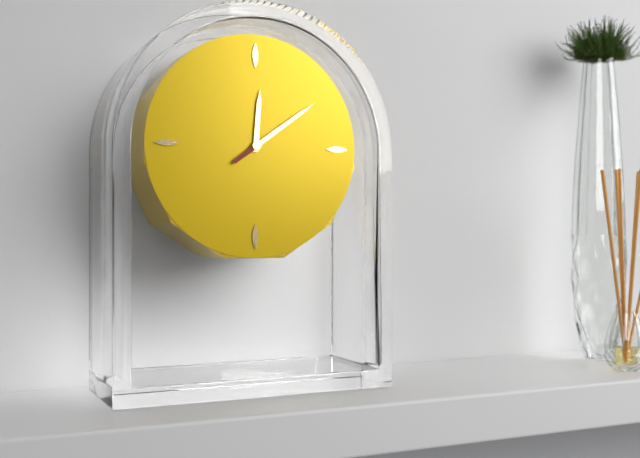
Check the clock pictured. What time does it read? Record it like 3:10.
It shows 12:09
